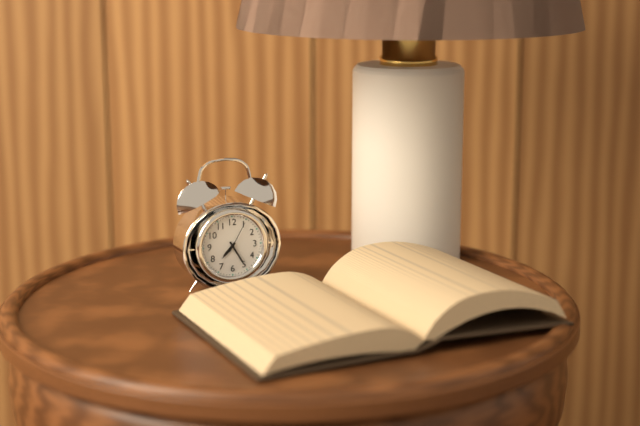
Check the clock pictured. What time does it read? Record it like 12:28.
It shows 7:25
